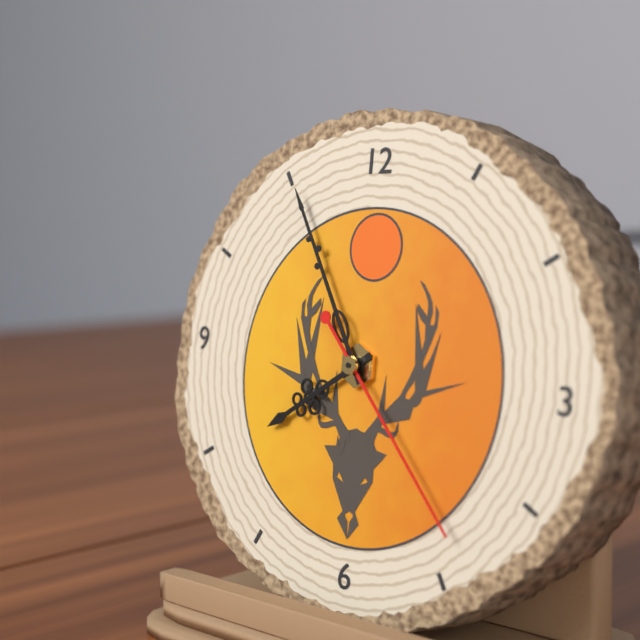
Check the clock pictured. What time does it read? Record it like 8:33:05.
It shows 7:55:23
